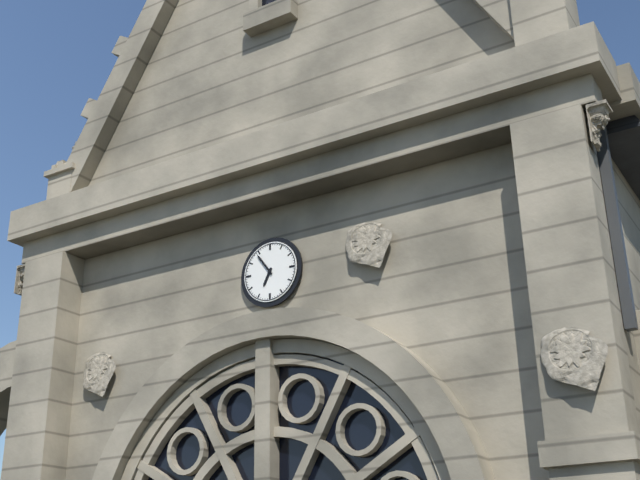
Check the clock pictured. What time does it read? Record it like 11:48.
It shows 6:54
